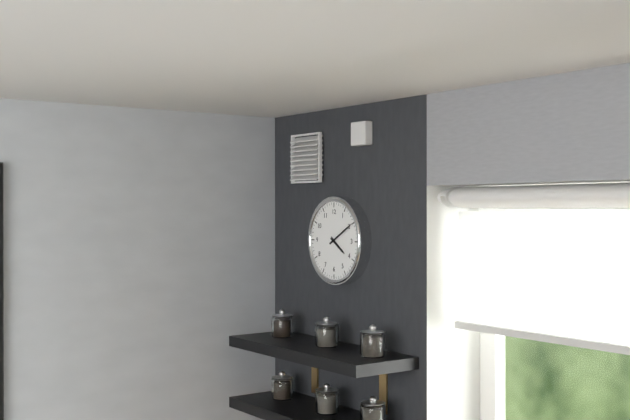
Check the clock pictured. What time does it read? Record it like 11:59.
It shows 4:10
